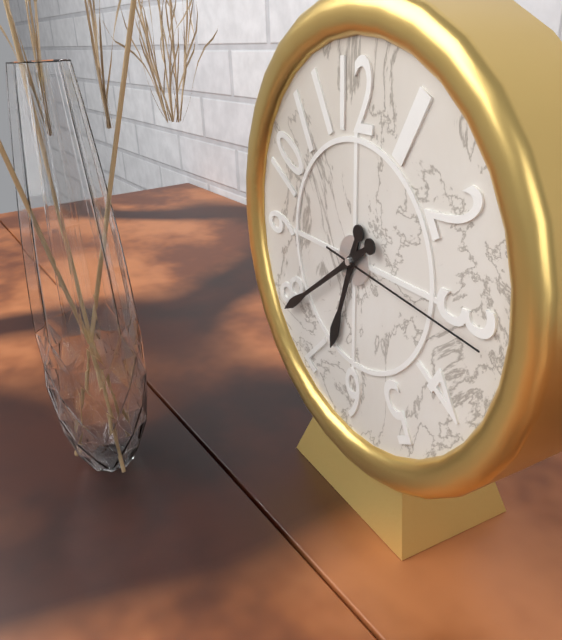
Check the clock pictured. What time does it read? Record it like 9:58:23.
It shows 6:39:16
